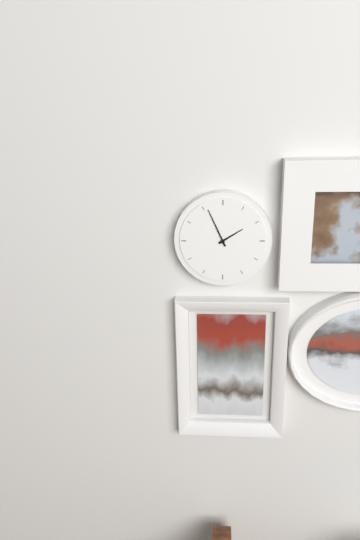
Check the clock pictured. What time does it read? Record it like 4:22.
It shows 1:56
